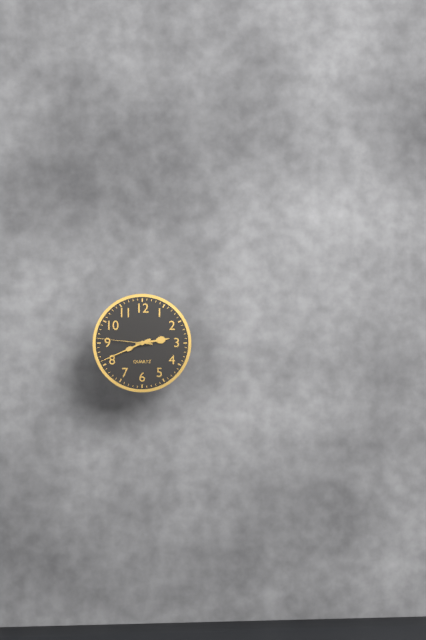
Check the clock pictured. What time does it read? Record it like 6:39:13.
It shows 2:41:46
